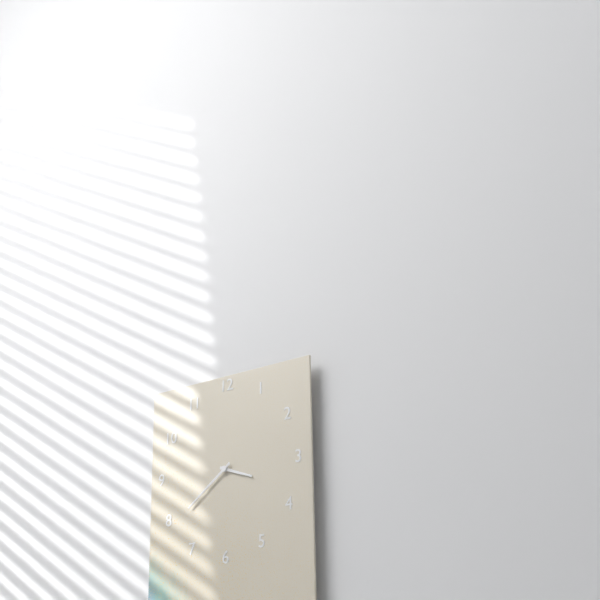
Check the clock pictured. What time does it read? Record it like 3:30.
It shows 3:39
